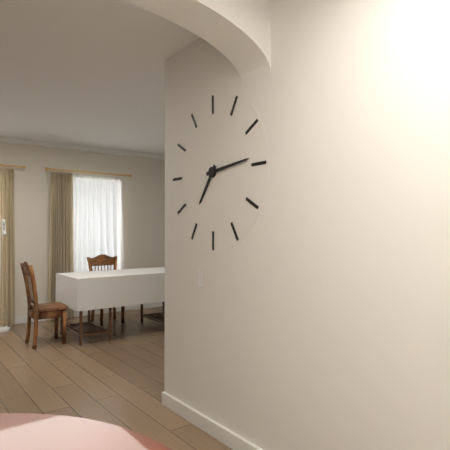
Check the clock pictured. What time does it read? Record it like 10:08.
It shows 7:14
